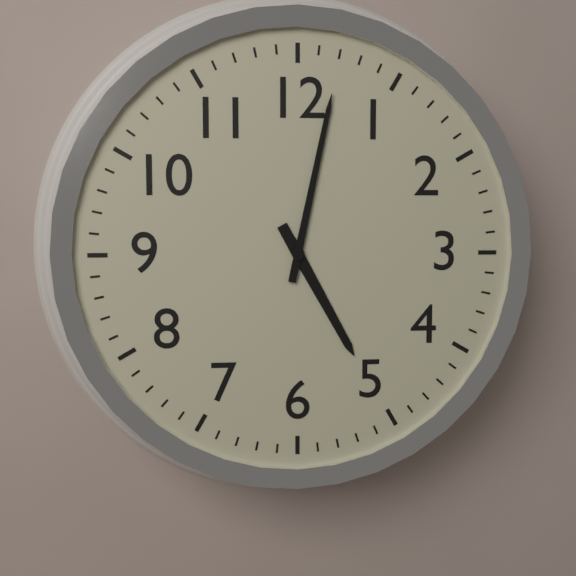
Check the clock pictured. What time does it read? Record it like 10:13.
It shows 5:02
